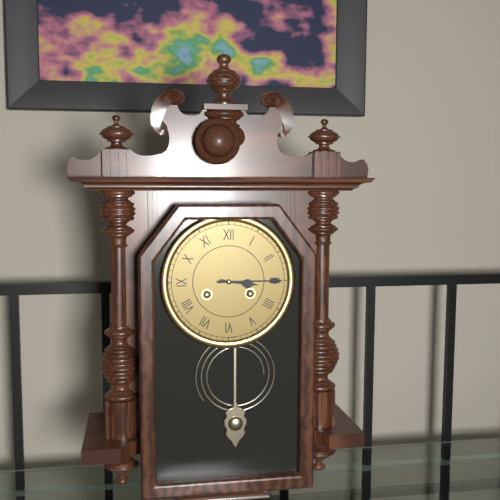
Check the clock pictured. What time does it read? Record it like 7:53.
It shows 3:15
